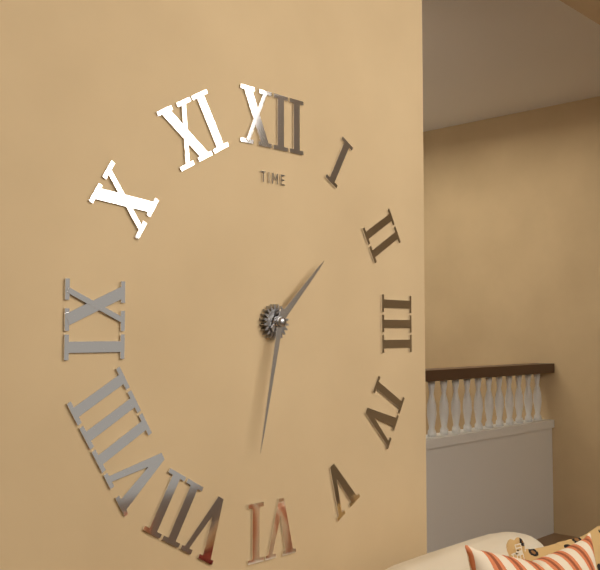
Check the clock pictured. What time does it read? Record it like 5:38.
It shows 1:32
